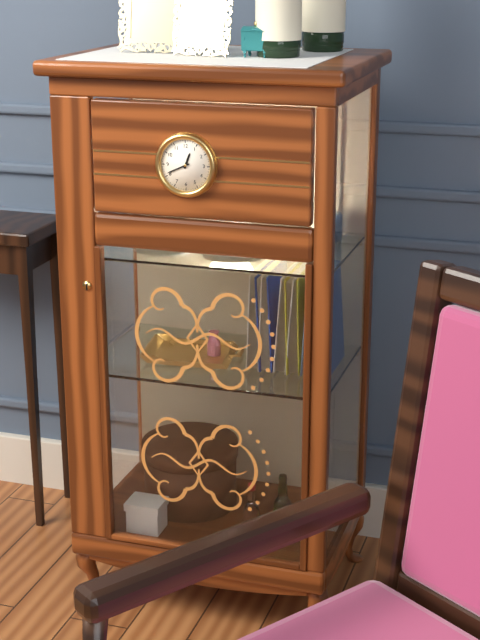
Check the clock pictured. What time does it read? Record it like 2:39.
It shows 12:41
